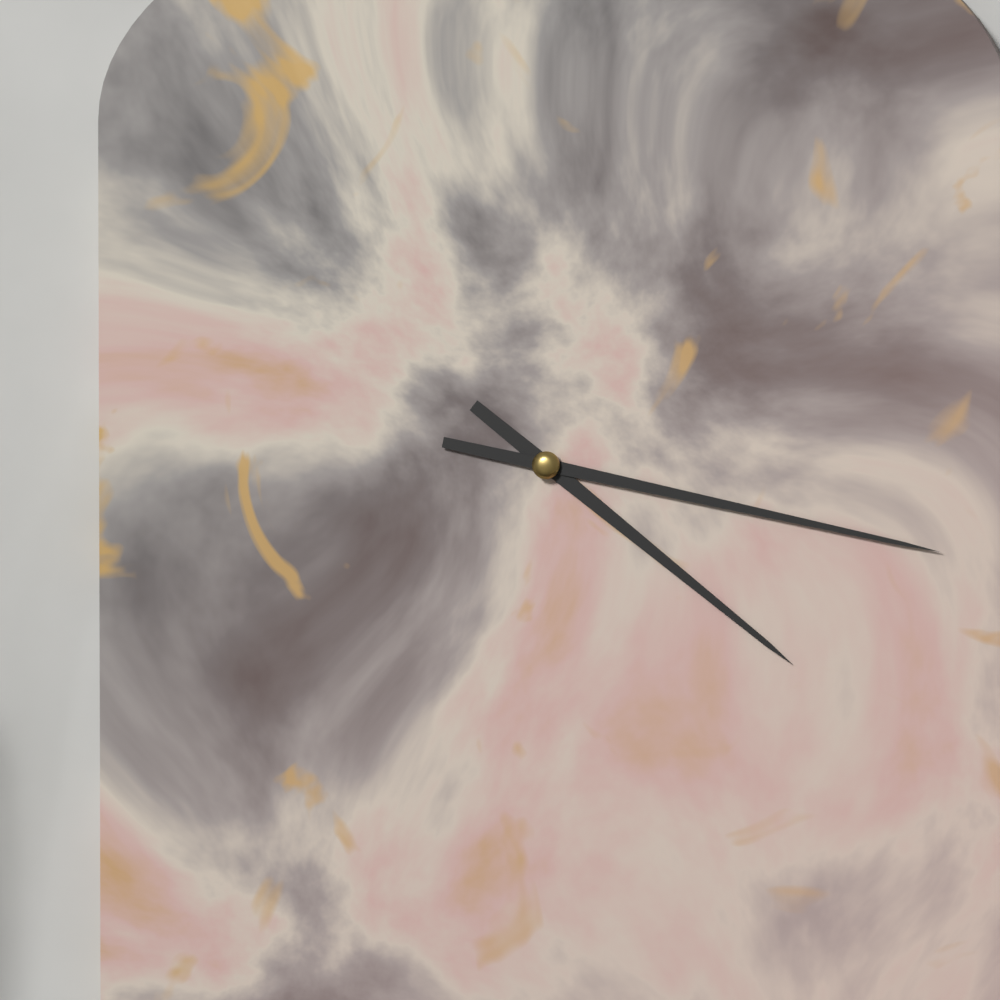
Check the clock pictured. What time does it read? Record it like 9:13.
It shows 4:17
